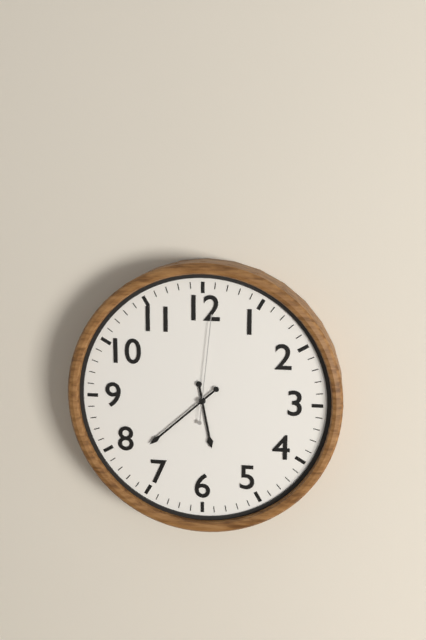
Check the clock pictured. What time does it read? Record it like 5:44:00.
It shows 5:38:01
